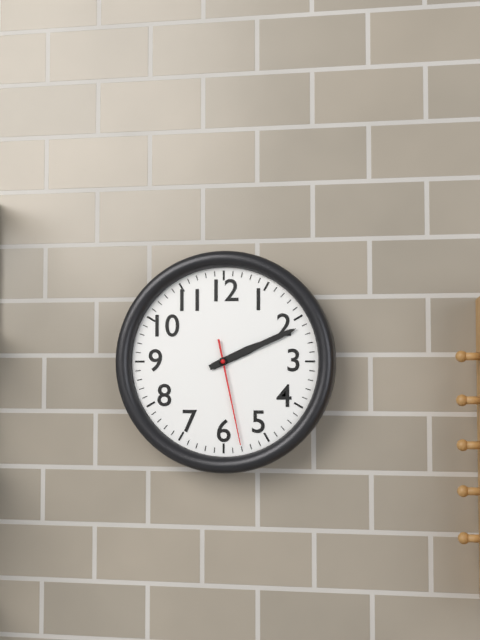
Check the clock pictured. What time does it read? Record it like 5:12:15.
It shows 2:11:28
